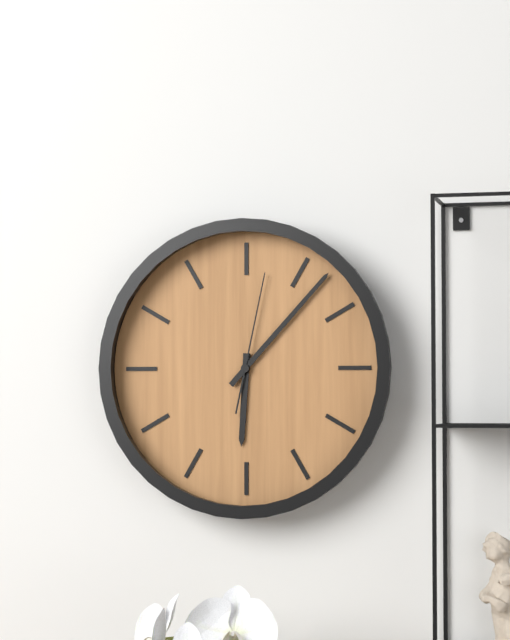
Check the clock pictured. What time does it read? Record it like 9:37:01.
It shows 6:07:02
